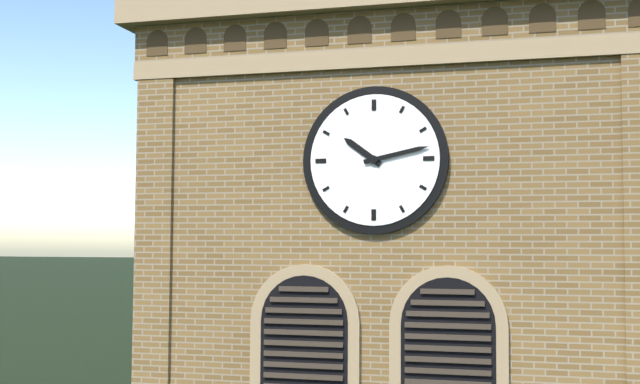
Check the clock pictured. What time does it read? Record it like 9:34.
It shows 10:13
